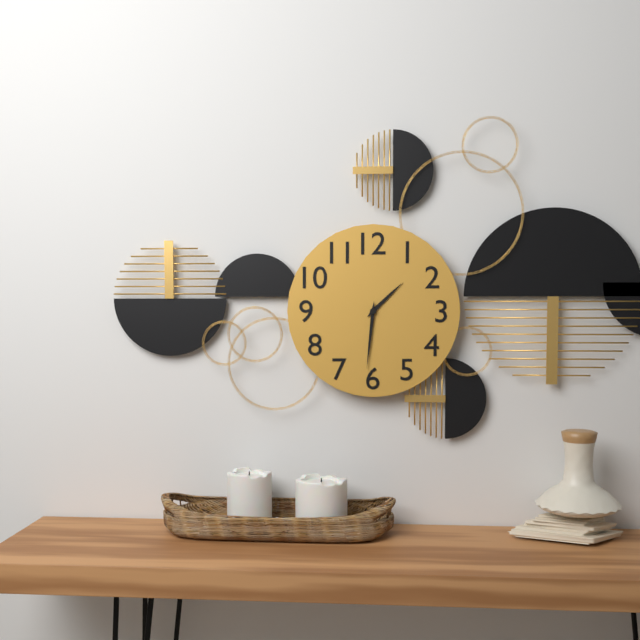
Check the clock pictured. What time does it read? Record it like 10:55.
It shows 1:31
